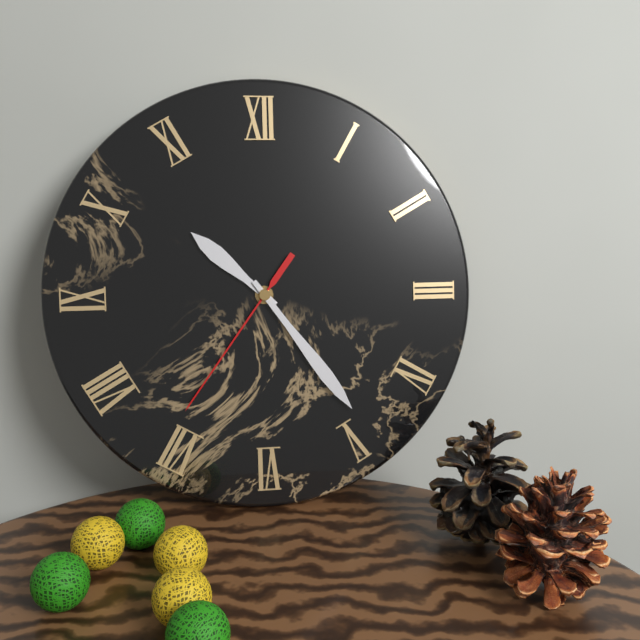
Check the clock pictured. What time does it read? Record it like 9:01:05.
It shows 10:24:36
